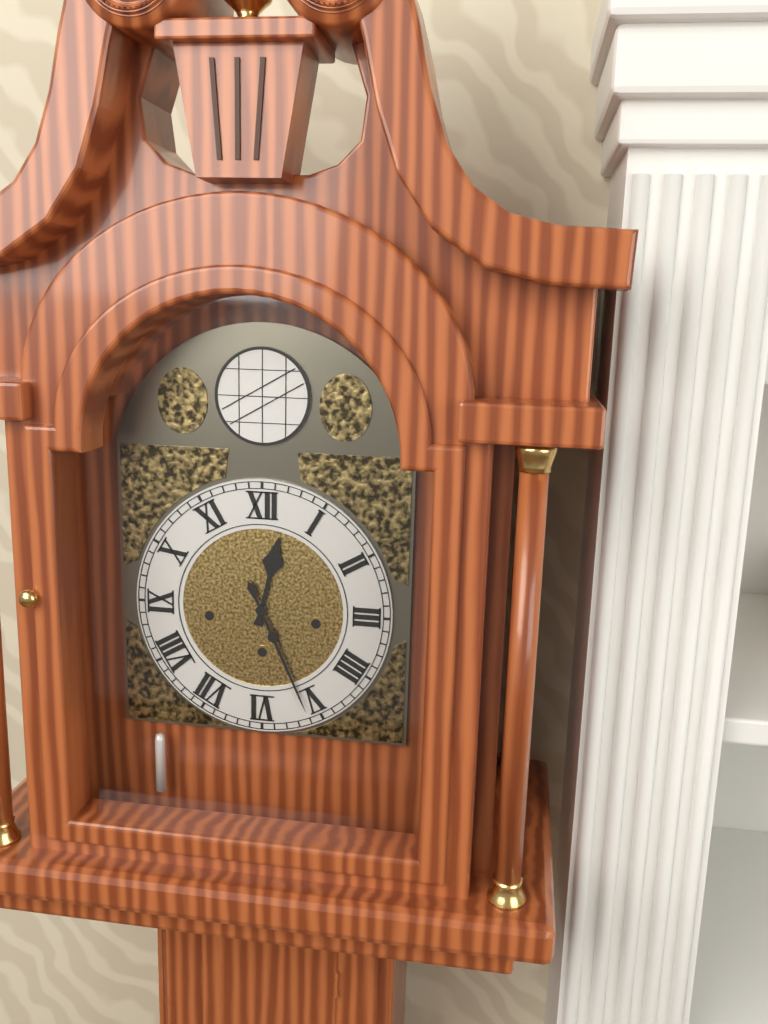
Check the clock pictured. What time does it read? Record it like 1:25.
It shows 12:26
